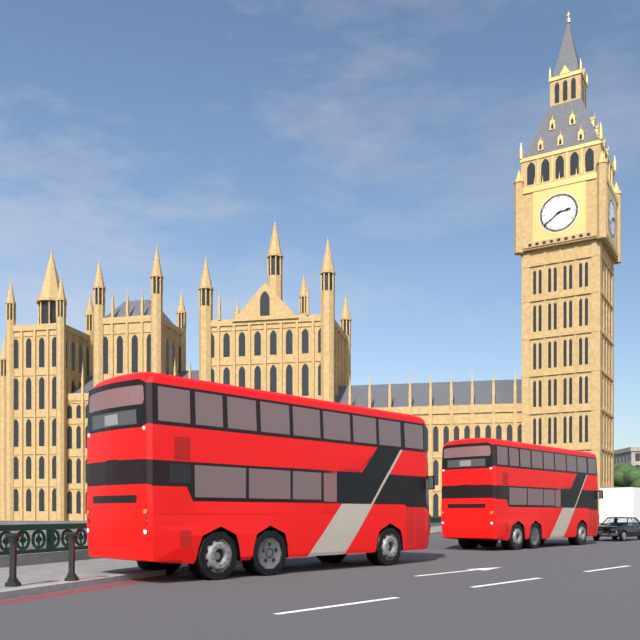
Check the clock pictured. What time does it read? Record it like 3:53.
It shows 2:39
